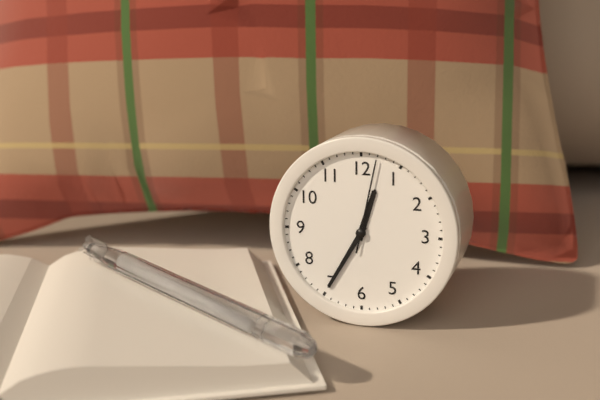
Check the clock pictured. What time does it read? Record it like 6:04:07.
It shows 12:35:02
